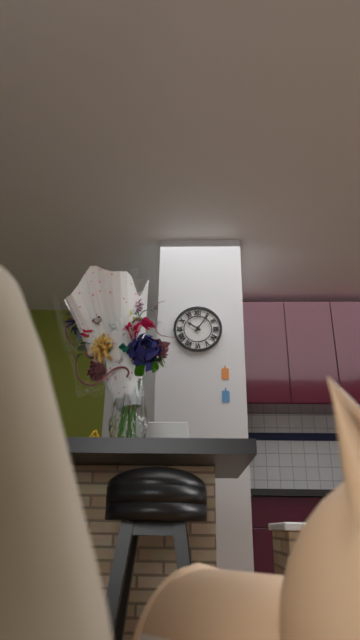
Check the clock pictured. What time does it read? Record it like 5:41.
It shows 10:06
